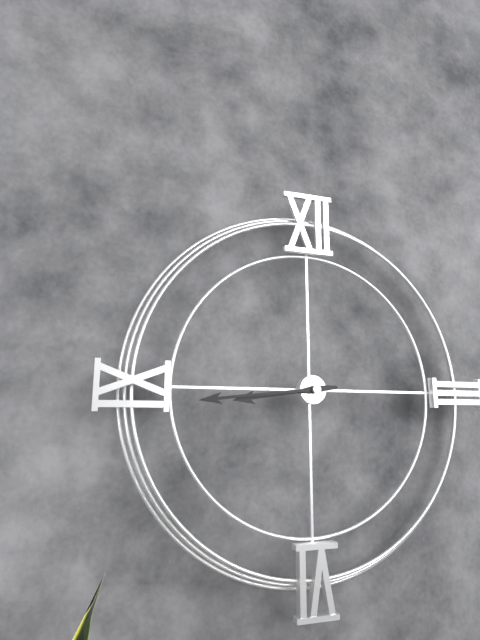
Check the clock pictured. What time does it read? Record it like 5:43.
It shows 8:44
